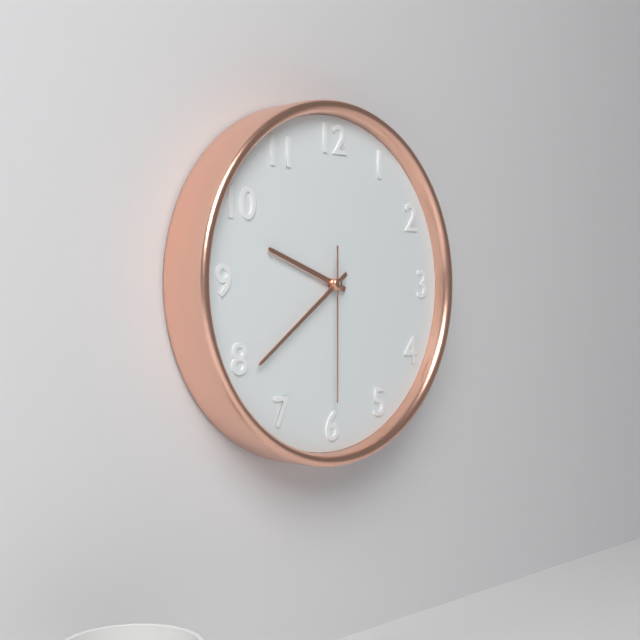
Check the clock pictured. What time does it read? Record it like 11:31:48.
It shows 9:39:30
